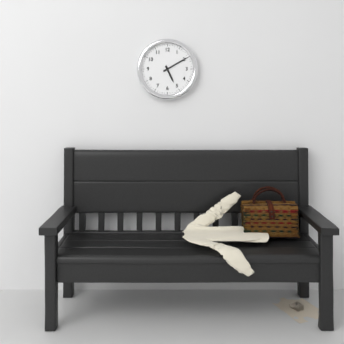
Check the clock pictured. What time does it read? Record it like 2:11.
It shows 5:10
